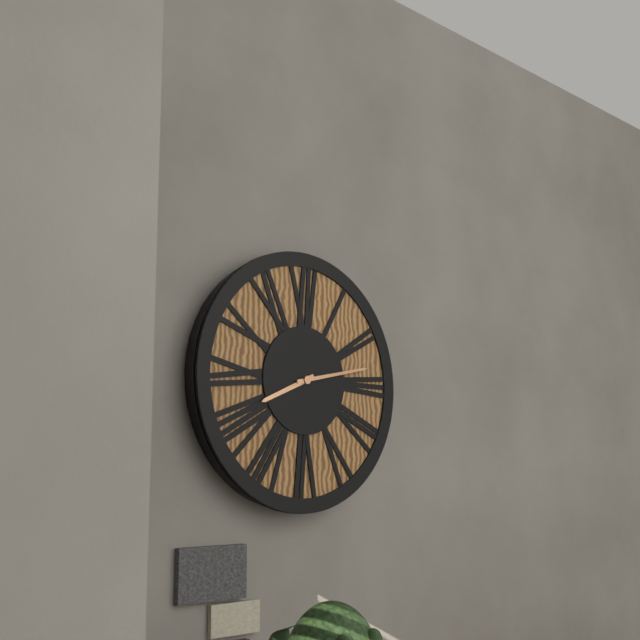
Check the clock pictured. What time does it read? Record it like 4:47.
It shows 8:13
